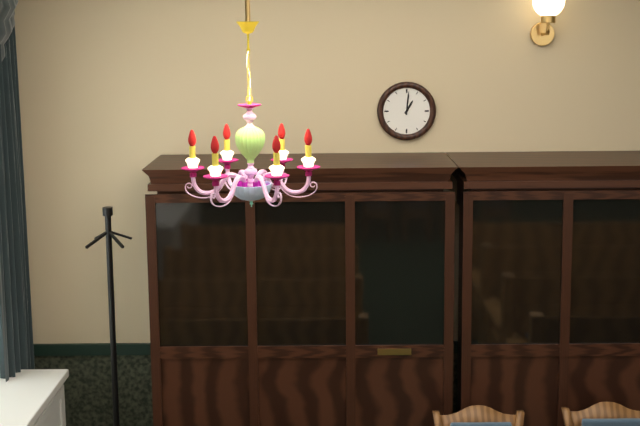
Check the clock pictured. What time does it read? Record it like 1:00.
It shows 1:01
